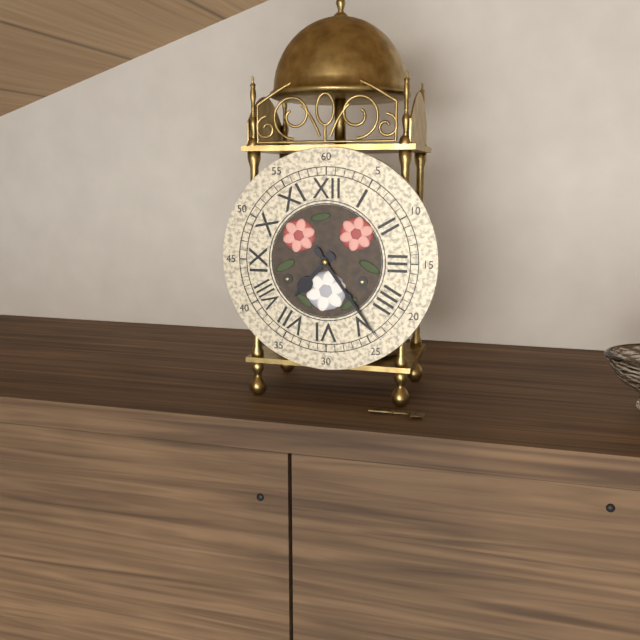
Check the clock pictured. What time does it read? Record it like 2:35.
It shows 7:24
